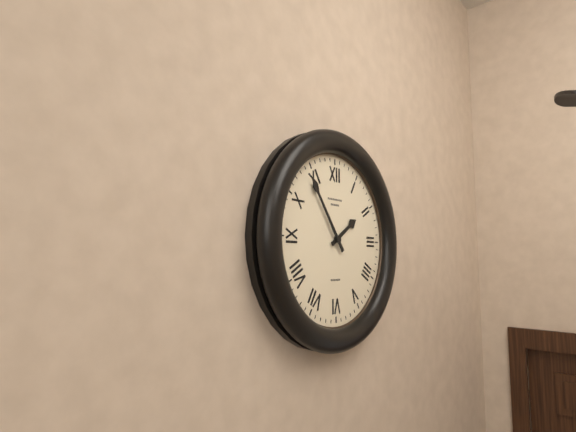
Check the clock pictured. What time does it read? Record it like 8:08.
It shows 1:54
